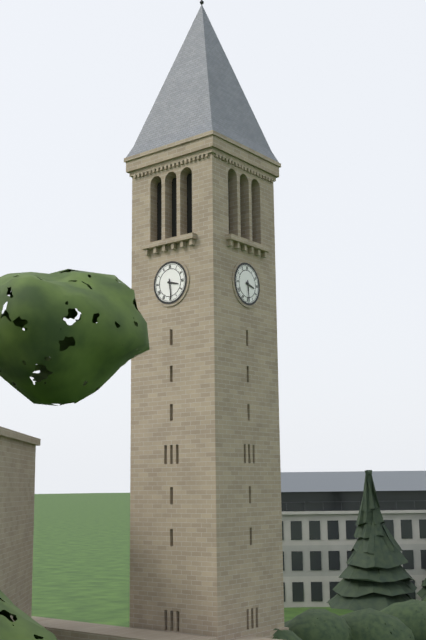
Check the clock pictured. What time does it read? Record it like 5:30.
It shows 3:29
